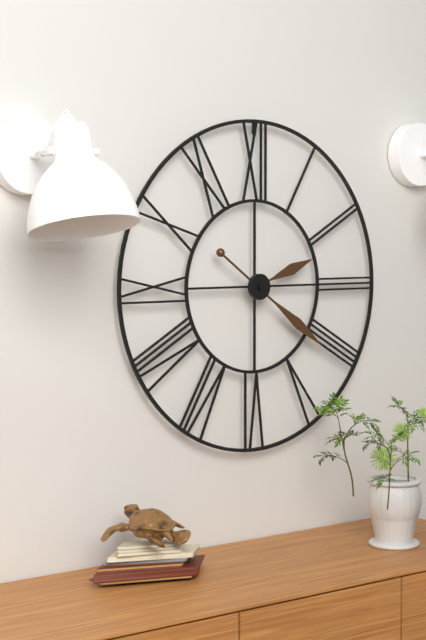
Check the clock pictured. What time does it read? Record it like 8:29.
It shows 2:21
